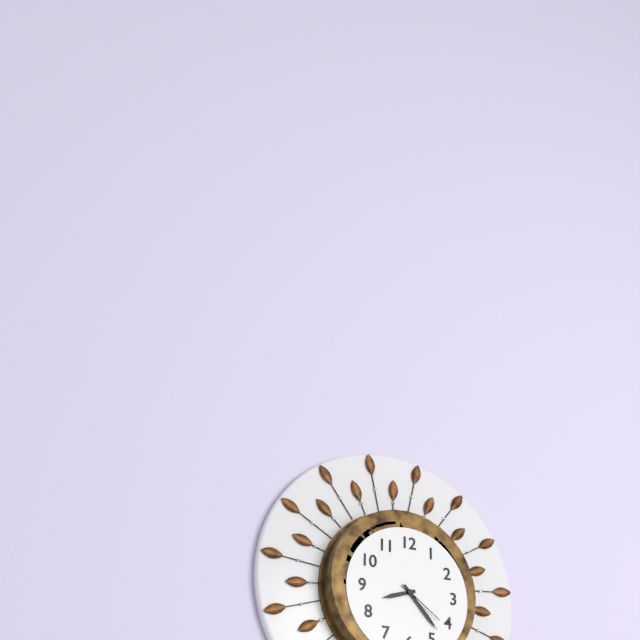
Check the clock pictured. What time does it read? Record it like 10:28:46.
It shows 8:23:21
